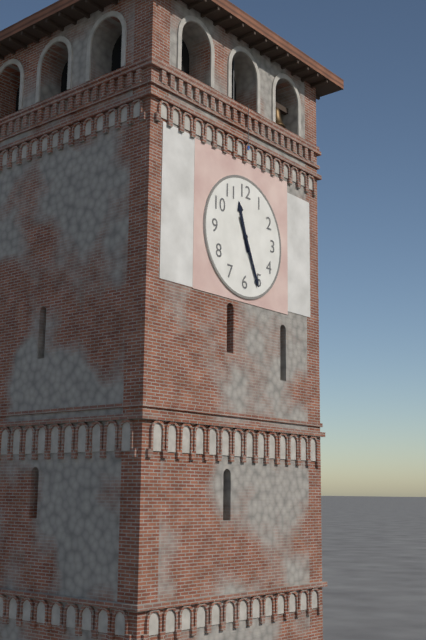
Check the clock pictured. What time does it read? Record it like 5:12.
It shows 11:26
